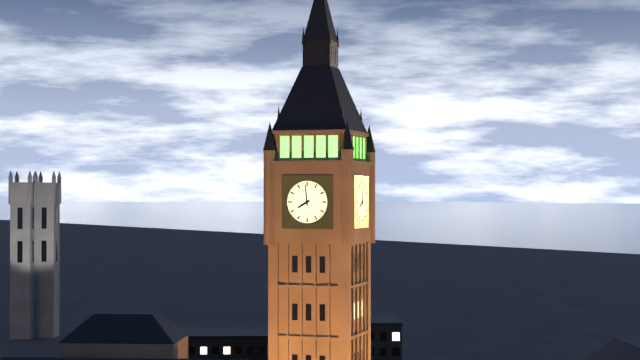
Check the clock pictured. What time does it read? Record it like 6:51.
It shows 7:59
